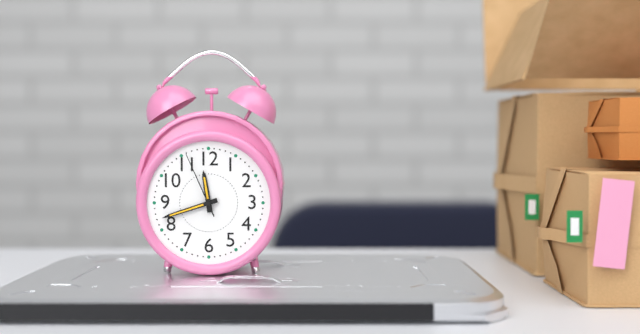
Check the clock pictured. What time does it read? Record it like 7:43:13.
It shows 11:42:56
